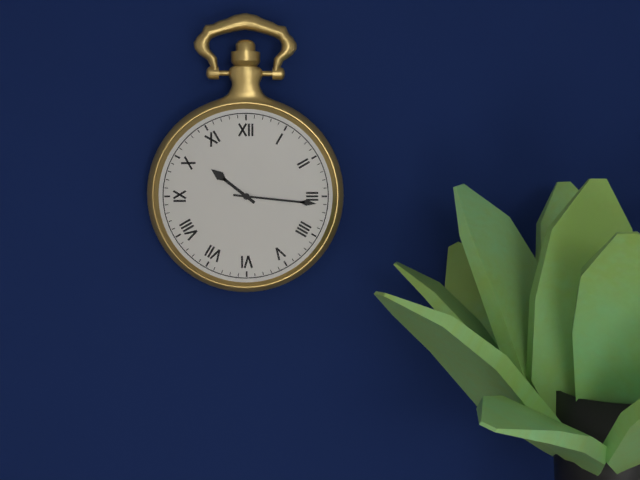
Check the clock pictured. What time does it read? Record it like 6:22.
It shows 10:16
